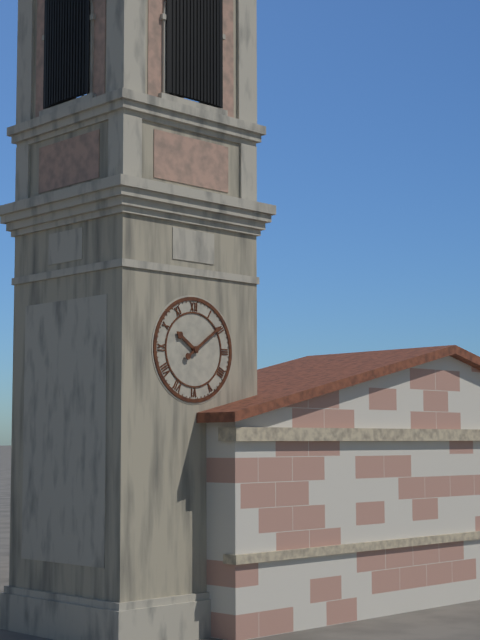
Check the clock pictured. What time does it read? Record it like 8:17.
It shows 10:09
